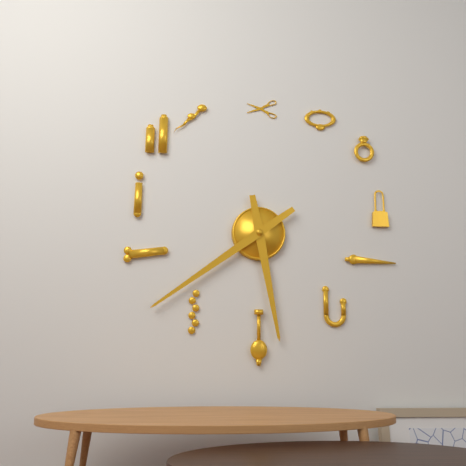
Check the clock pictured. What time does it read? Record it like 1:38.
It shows 5:39
